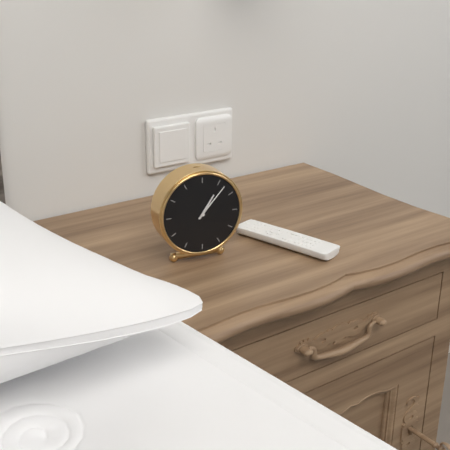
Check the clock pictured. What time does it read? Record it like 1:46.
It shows 1:07
